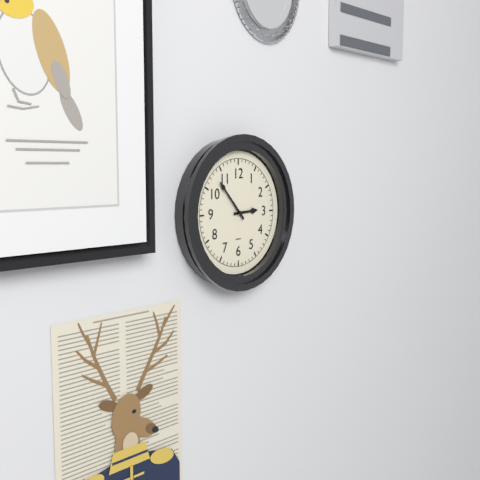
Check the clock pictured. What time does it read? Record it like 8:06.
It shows 2:53
